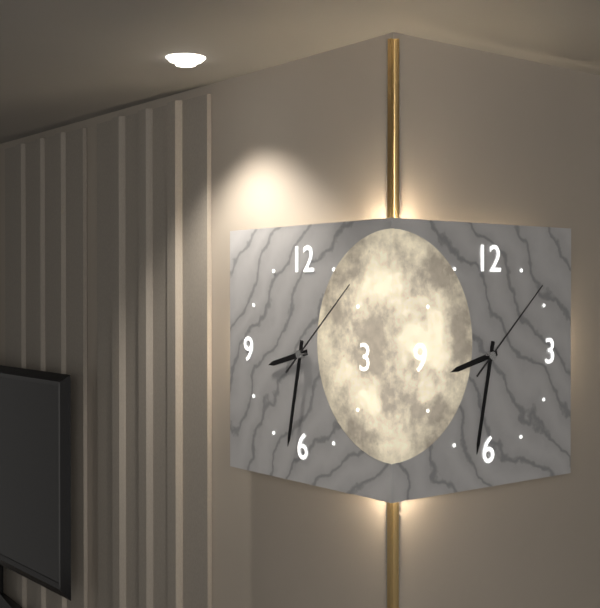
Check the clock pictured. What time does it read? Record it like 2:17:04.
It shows 8:32:08
